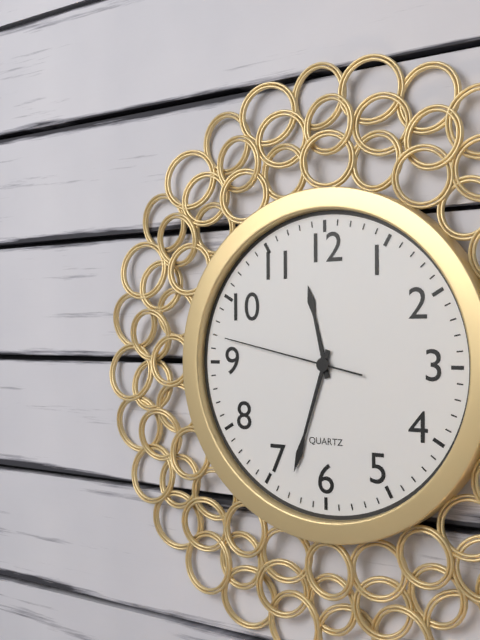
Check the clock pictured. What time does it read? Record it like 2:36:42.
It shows 11:33:47
